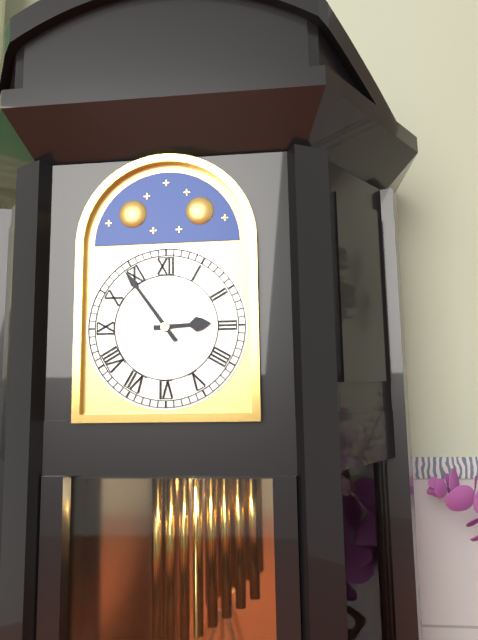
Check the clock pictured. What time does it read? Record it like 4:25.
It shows 2:54
